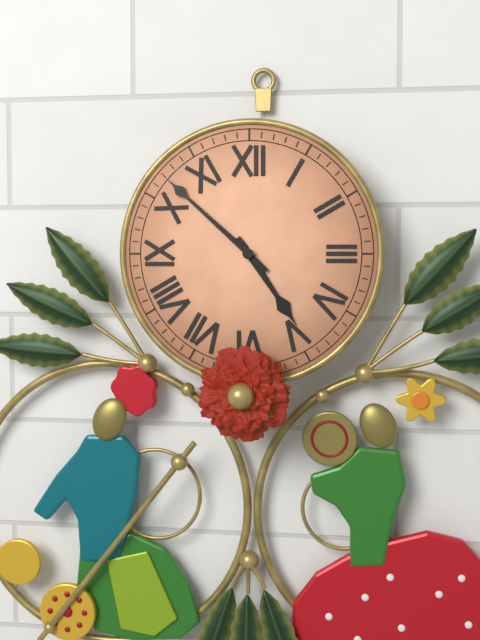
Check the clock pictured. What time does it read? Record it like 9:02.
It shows 4:52
